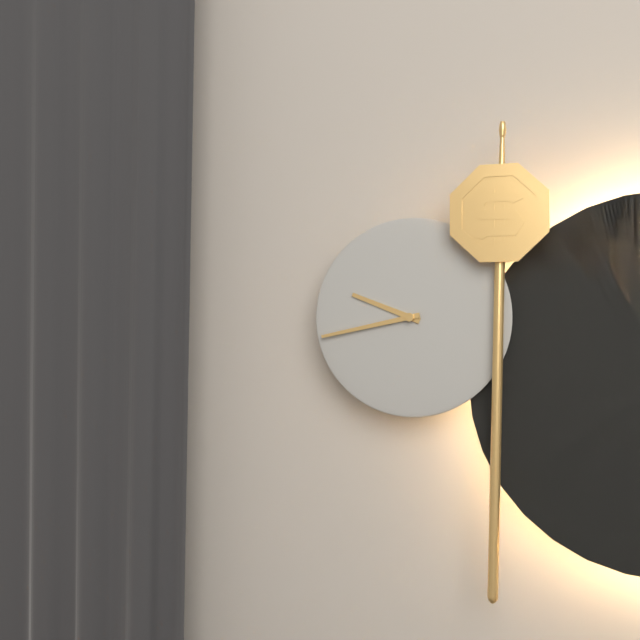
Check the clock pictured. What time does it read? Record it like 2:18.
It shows 9:43
